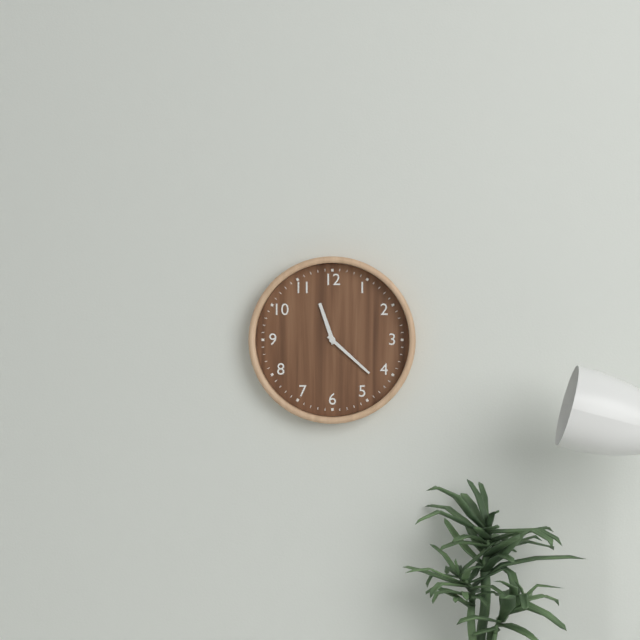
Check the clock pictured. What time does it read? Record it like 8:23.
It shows 11:22
